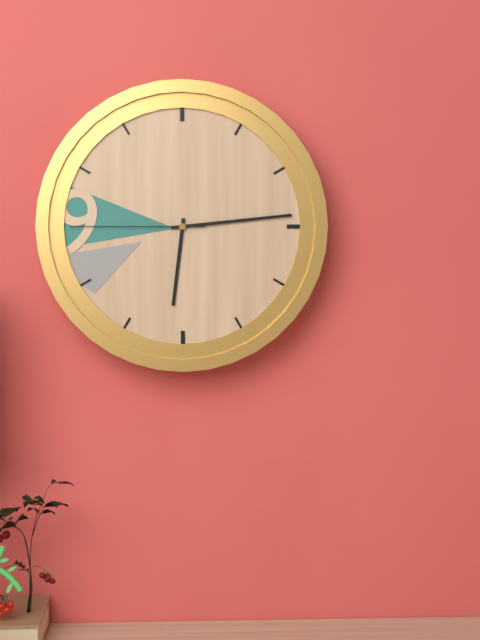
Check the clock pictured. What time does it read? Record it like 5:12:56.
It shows 6:14:45
